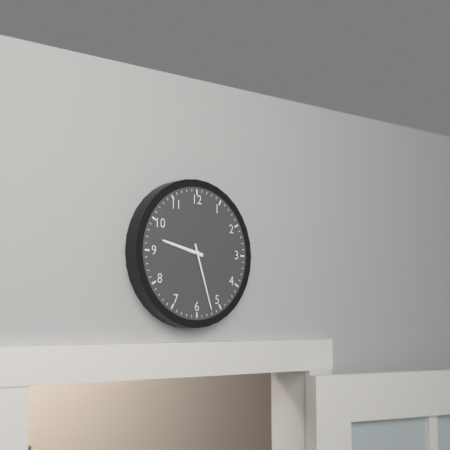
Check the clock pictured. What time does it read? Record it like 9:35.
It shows 9:27
